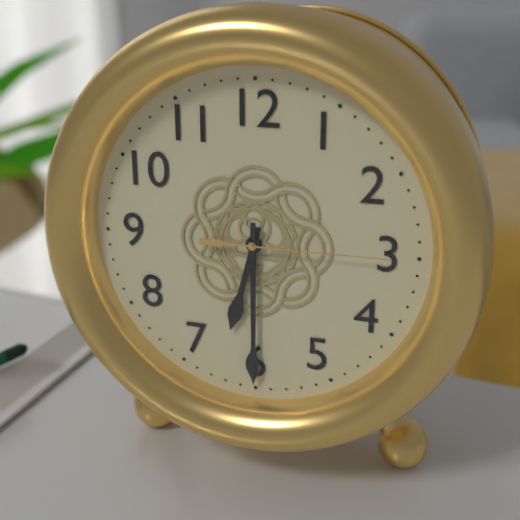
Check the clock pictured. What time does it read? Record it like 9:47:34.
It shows 6:30:15
